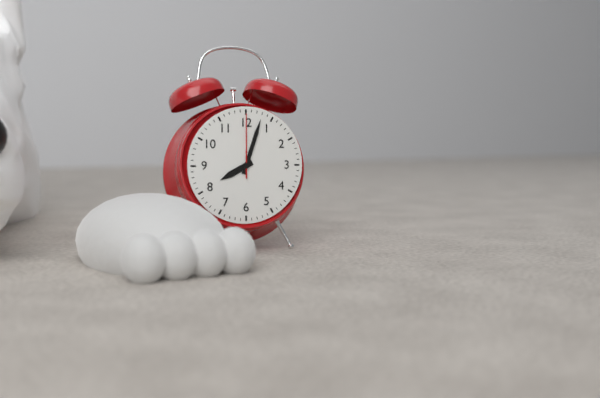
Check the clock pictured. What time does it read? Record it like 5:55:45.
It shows 8:03:00
